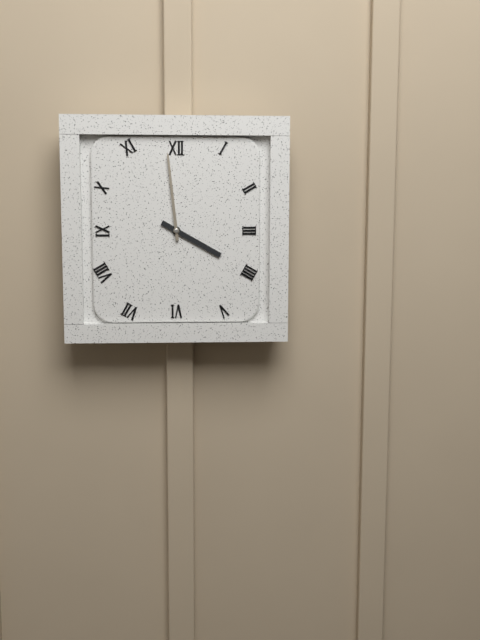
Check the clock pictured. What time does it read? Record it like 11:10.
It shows 3:59
